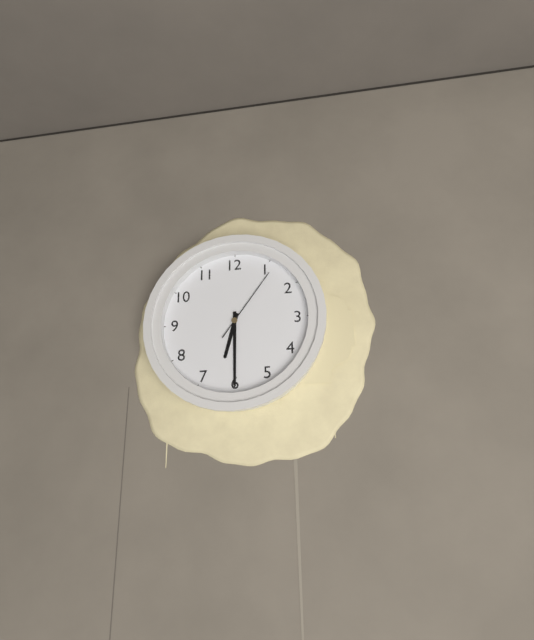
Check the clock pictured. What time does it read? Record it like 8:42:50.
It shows 6:30:06
